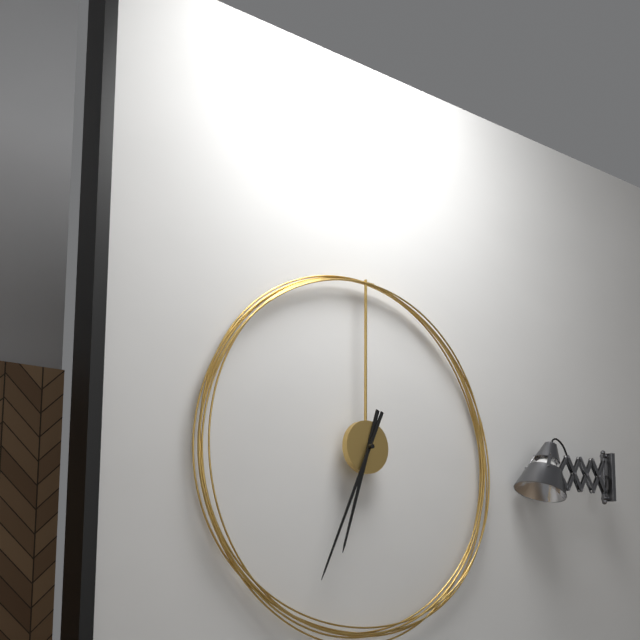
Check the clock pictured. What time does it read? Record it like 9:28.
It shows 6:34
